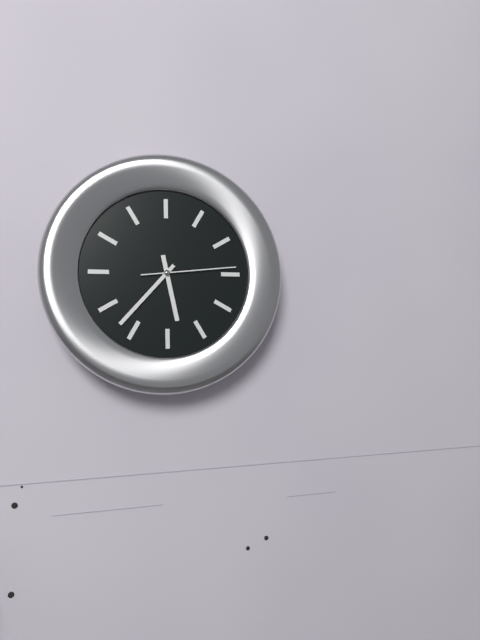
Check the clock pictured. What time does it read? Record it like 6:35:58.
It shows 5:37:14
